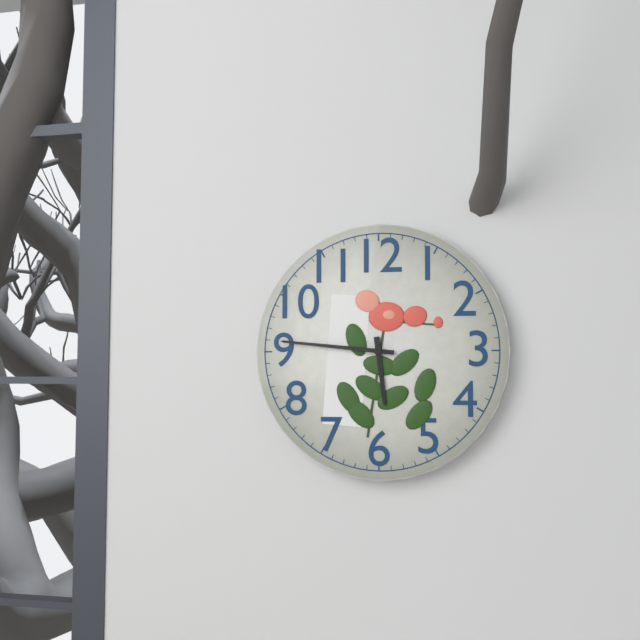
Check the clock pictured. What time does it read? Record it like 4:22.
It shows 5:46
